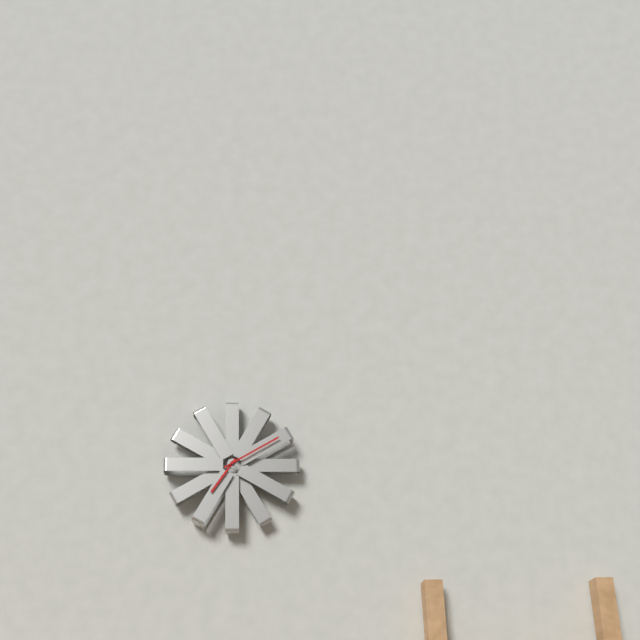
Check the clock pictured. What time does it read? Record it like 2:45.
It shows 7:10
